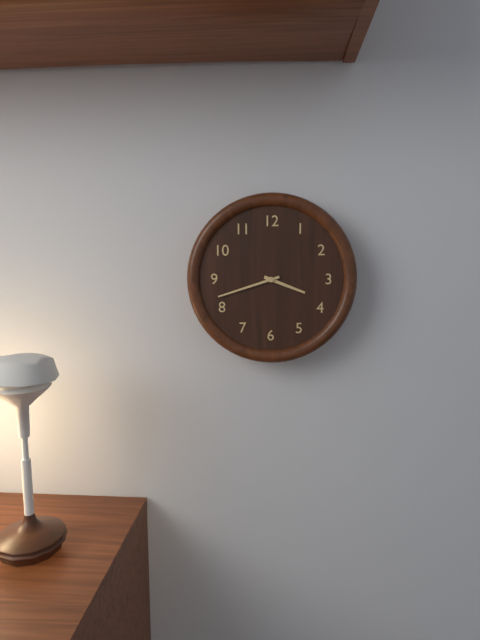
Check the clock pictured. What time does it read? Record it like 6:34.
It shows 3:42
